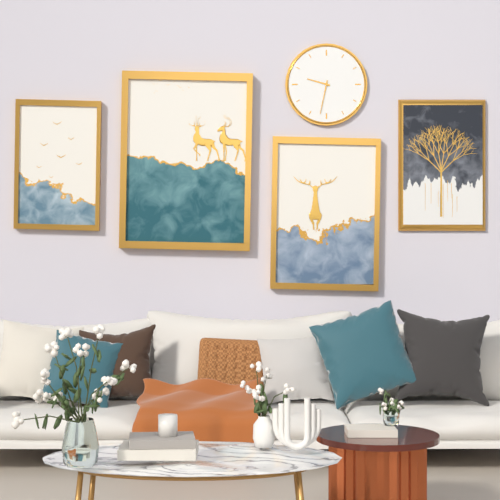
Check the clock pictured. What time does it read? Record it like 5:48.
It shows 9:32
